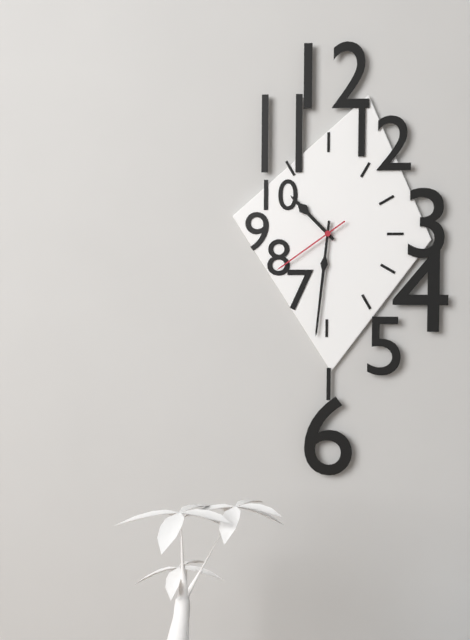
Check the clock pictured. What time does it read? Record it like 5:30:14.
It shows 10:31:39
